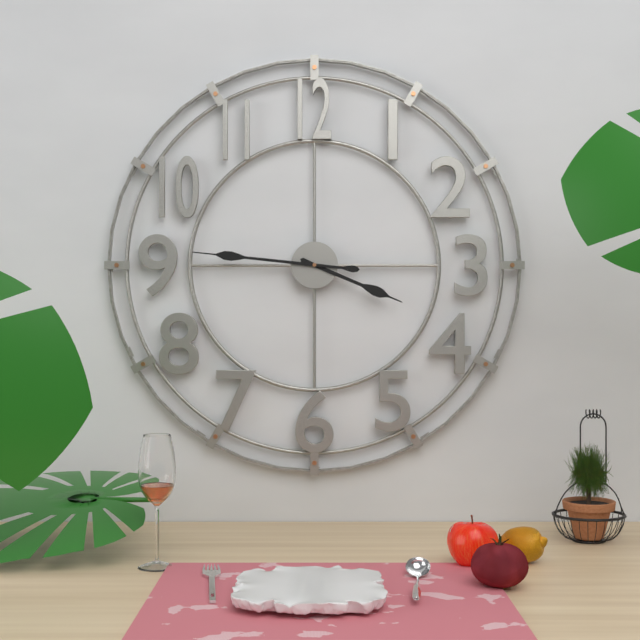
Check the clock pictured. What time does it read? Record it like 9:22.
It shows 3:46
